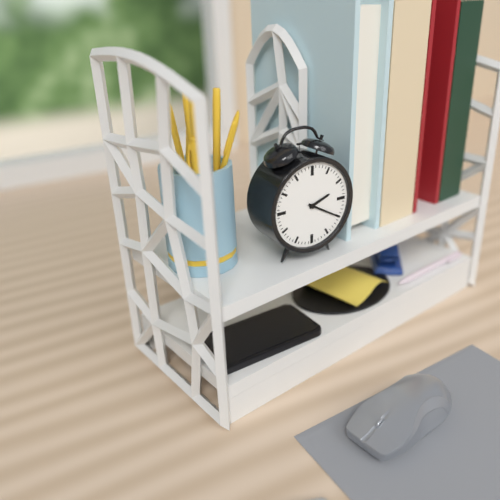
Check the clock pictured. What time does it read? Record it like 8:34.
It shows 2:20
